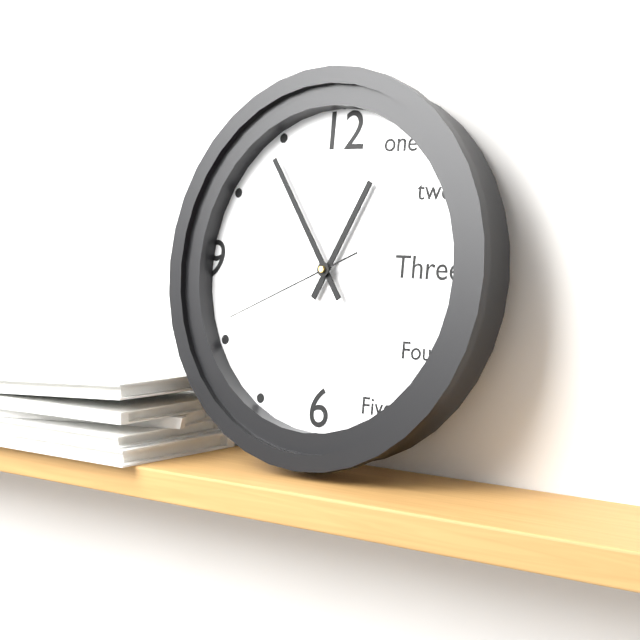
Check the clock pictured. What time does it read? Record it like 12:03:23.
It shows 12:54:41
